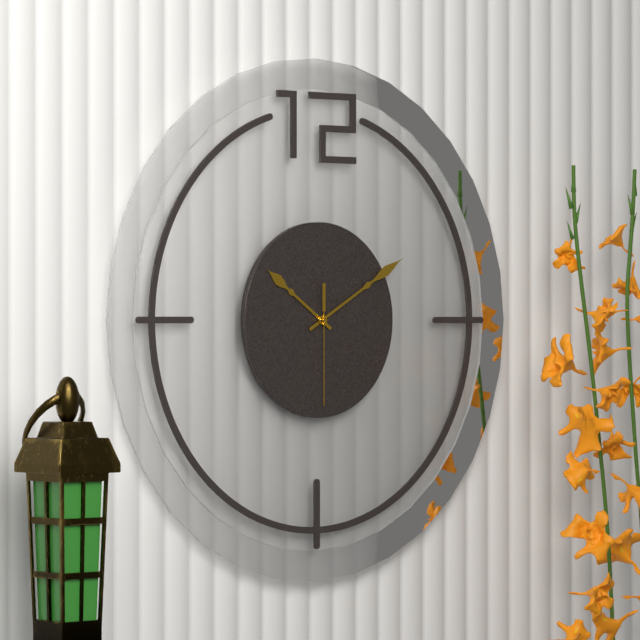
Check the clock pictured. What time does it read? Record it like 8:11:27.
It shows 10:10:30
